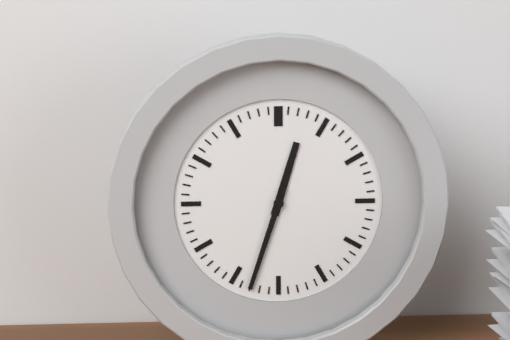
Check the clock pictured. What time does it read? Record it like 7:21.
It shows 12:33
